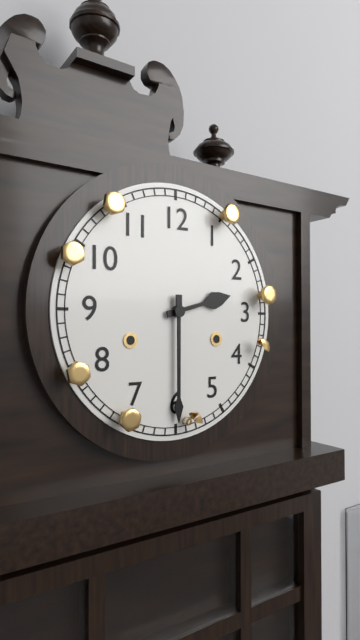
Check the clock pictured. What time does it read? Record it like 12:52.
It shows 2:30
